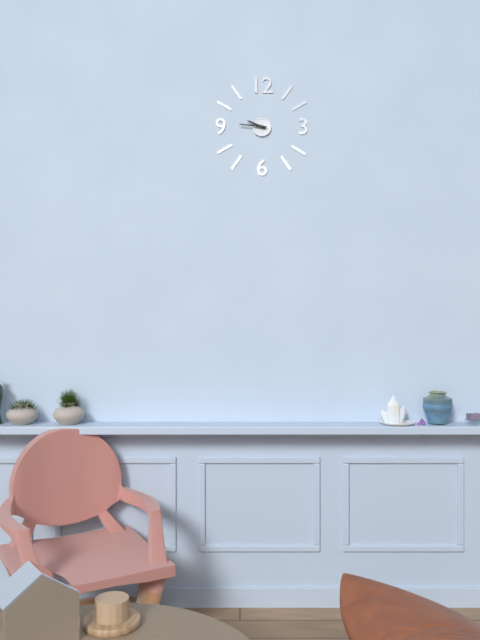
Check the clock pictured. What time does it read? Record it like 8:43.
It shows 9:46
